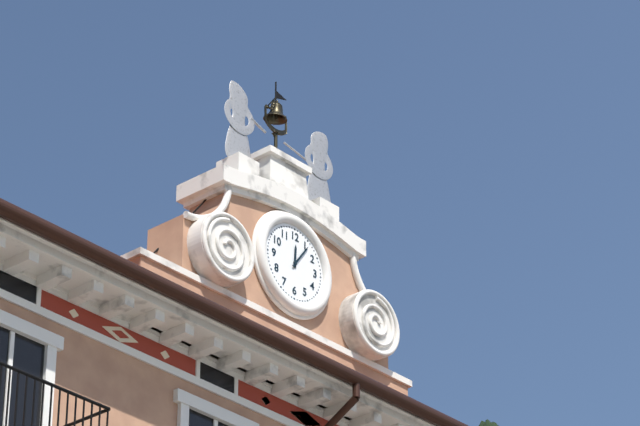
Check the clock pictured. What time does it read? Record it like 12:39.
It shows 12:06
